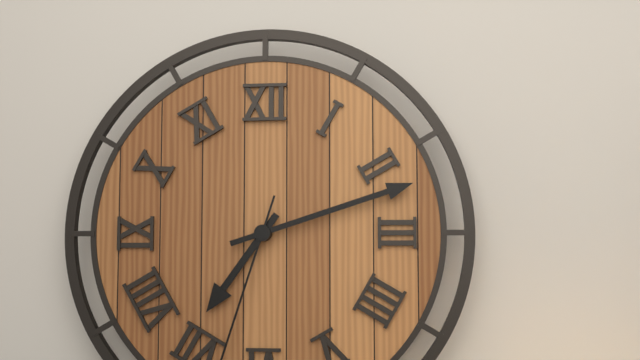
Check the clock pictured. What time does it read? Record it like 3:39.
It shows 7:12
